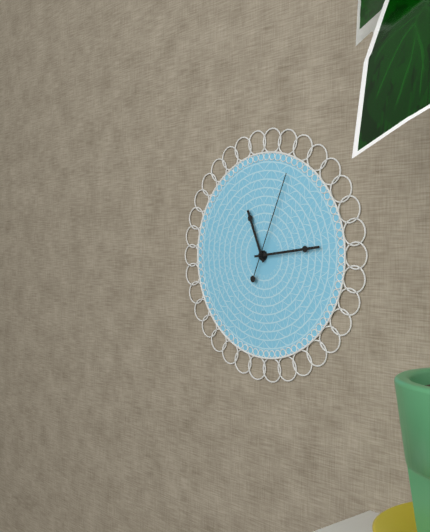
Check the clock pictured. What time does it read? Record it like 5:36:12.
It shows 11:14:04
